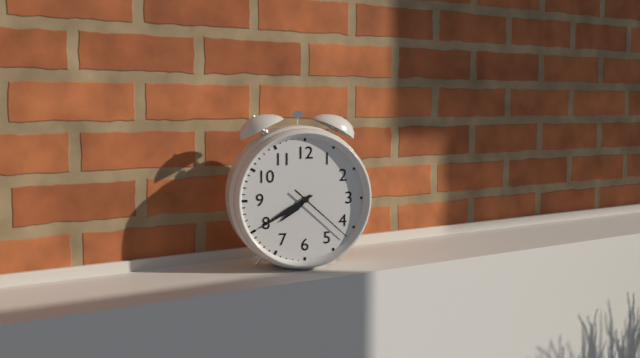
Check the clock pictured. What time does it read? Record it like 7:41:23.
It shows 7:40:22
